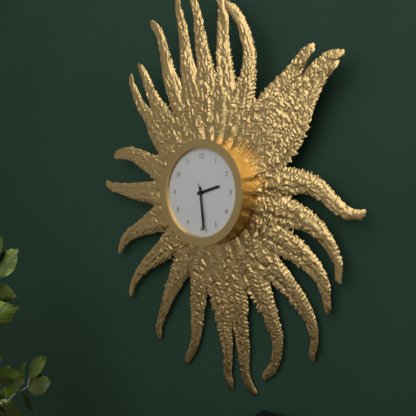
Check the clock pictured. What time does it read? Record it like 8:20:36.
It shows 2:29:28
